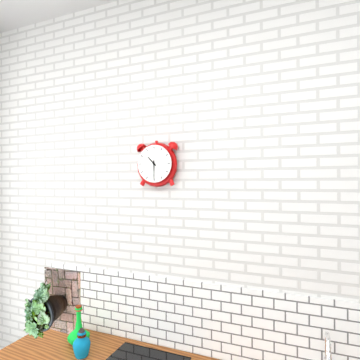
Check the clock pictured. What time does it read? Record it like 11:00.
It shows 10:30
